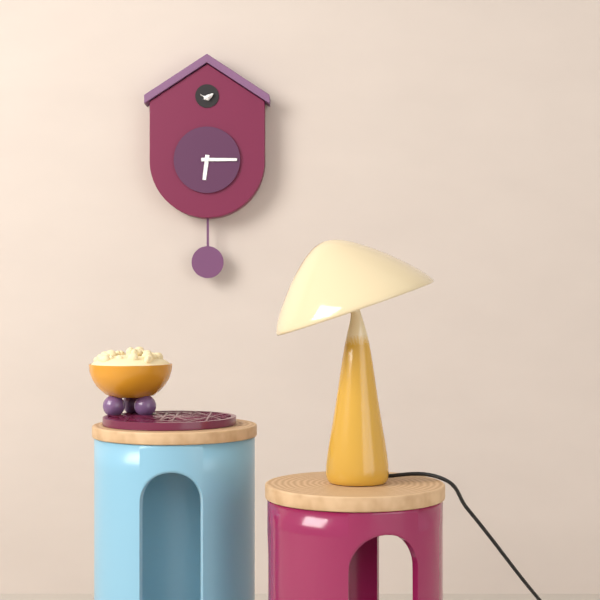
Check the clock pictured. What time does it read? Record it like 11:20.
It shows 6:15
